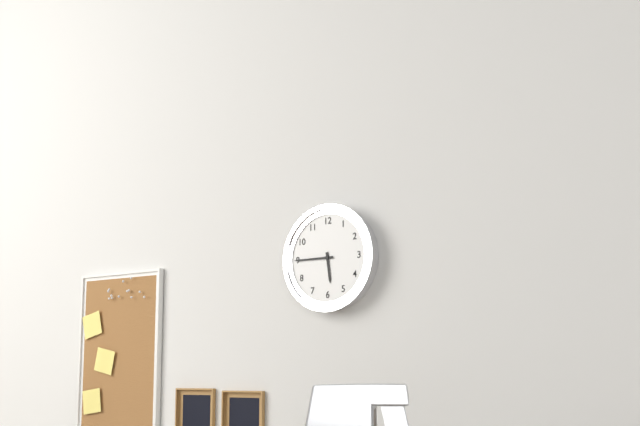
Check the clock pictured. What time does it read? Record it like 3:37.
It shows 5:45
